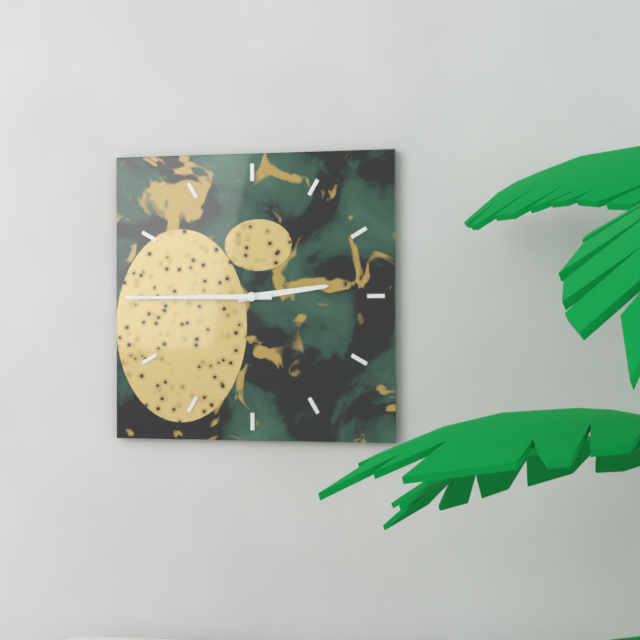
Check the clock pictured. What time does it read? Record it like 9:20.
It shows 2:45
